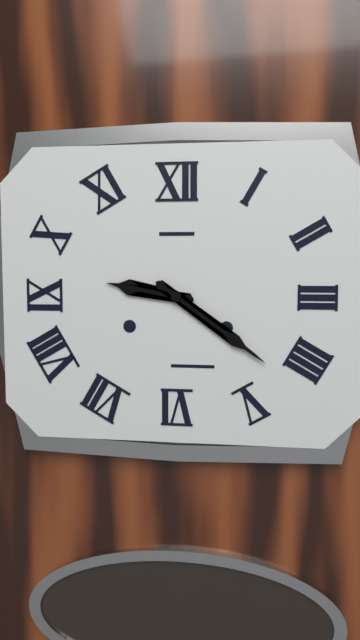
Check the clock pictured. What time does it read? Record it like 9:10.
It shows 9:21
